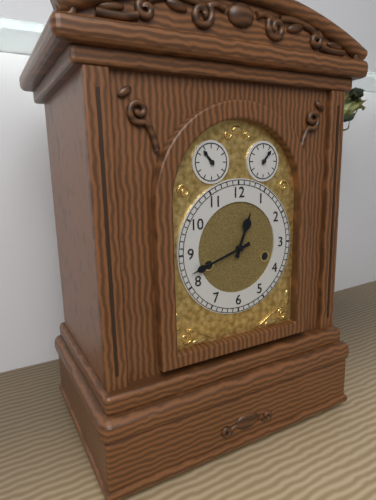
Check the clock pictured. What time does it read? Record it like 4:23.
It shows 12:42
